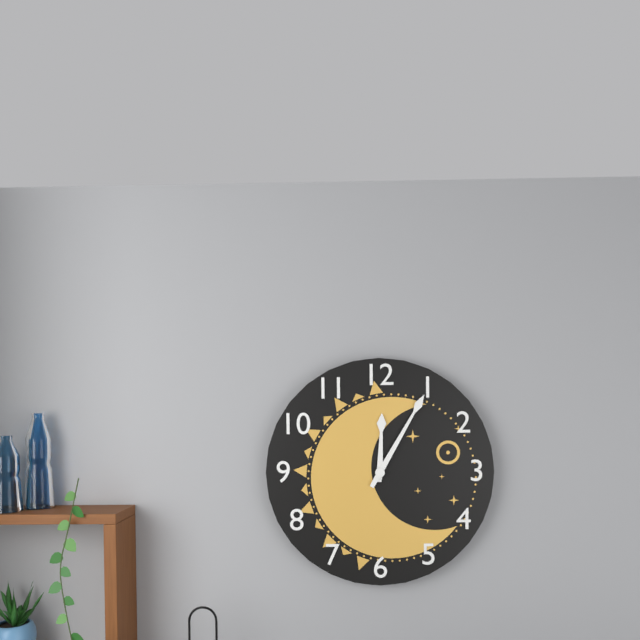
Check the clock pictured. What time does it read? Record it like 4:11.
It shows 12:05
